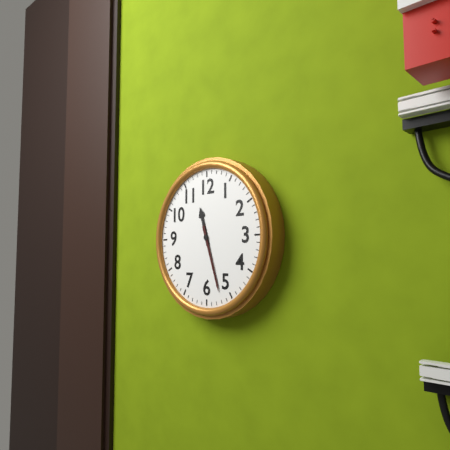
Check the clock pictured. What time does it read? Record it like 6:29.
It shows 11:27
